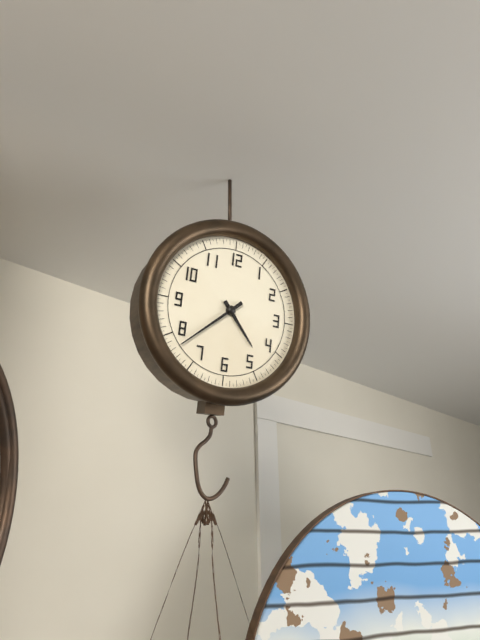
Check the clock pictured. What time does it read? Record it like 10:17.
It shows 4:38
